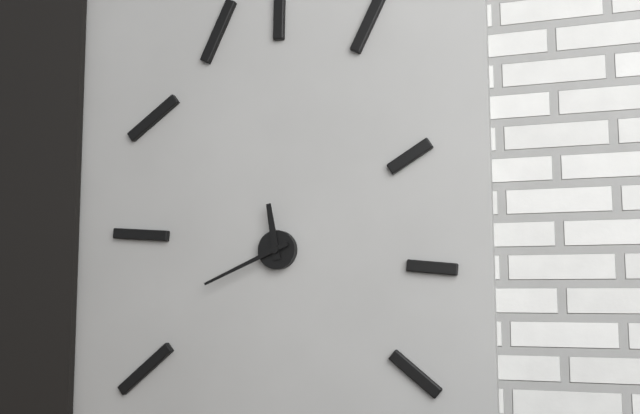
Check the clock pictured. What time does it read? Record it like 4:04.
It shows 11:41
